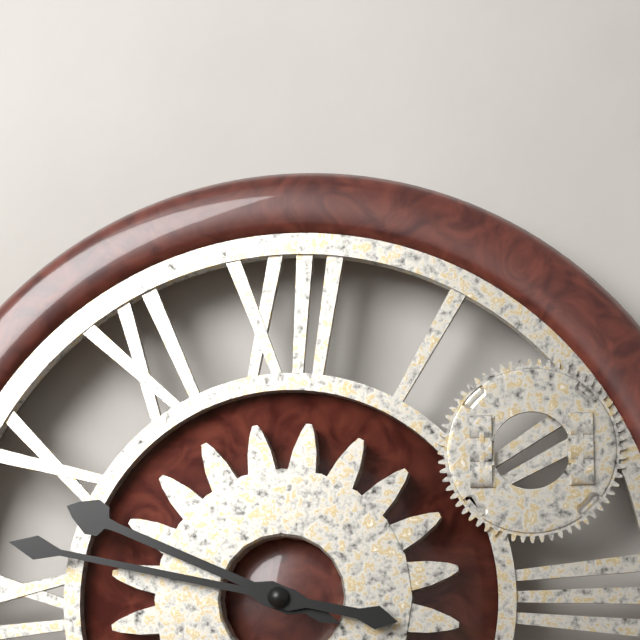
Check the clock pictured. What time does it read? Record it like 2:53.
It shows 9:47
